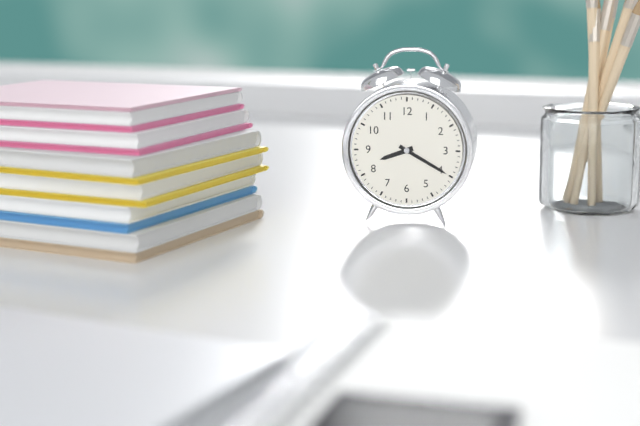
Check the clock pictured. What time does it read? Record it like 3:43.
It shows 8:20
